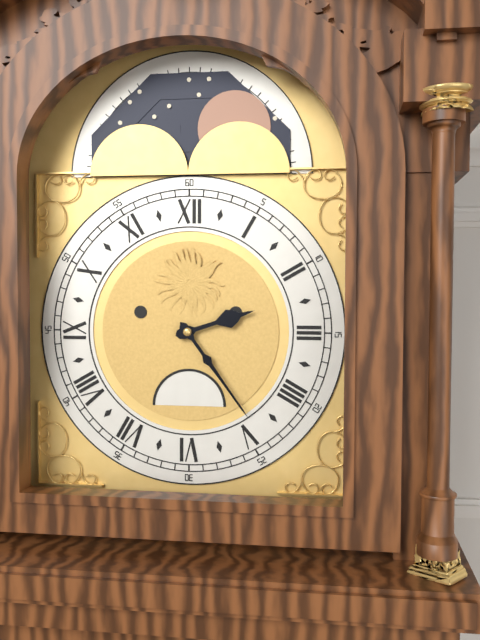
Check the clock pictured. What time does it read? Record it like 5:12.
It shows 2:24
